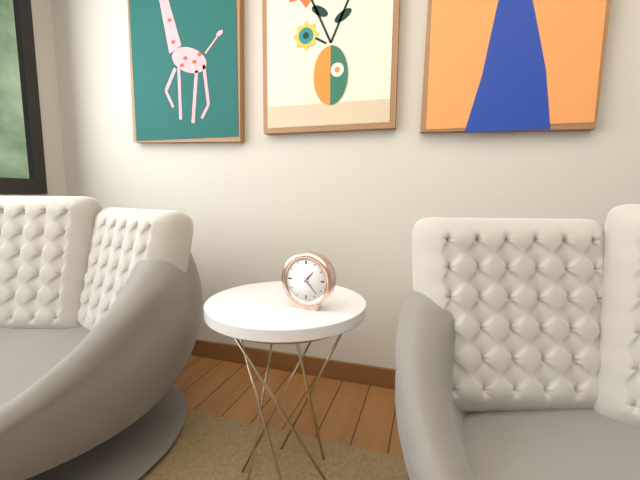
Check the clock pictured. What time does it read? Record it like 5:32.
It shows 1:23
